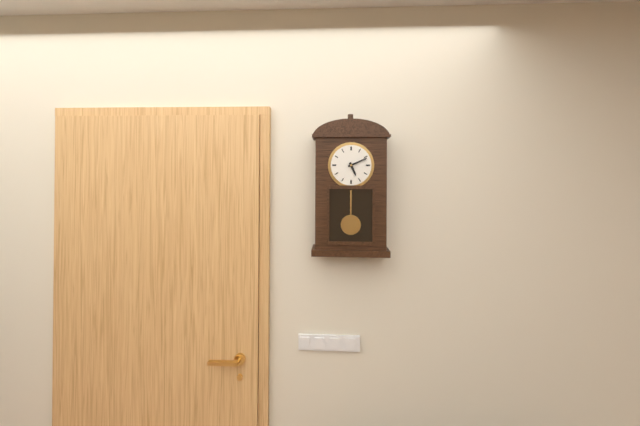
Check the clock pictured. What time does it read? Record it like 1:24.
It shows 5:11
